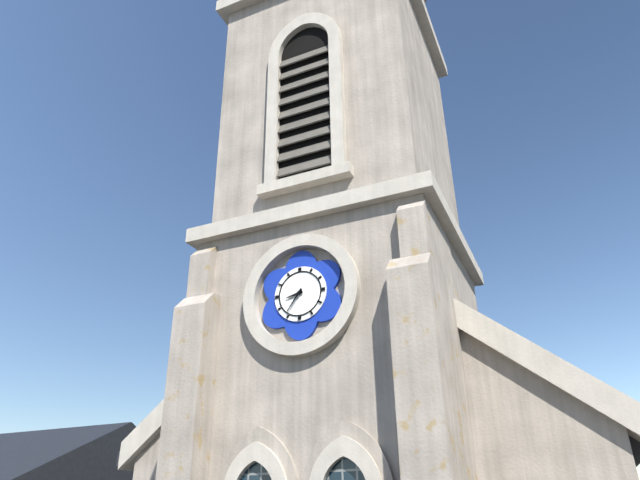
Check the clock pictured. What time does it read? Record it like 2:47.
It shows 8:36
